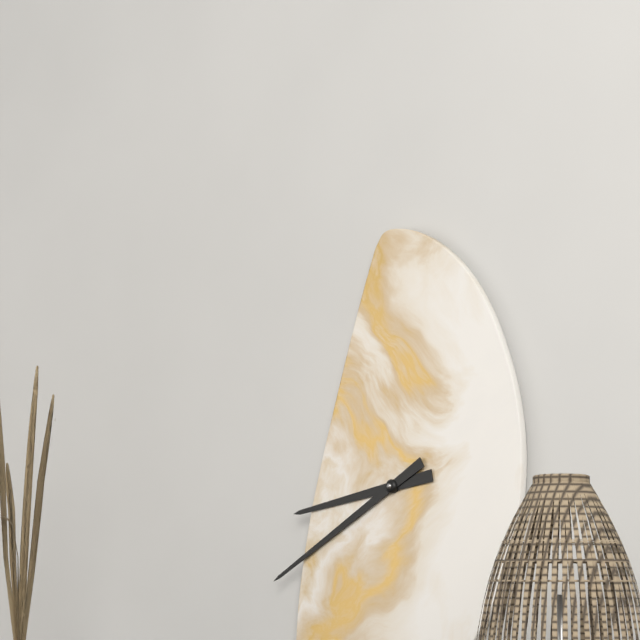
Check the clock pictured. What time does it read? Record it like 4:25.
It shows 8:40
